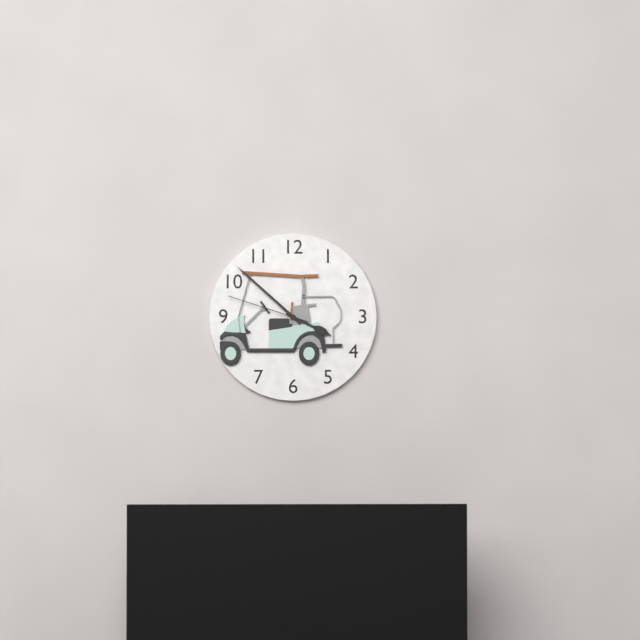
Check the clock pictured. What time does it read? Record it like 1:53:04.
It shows 3:52:48
